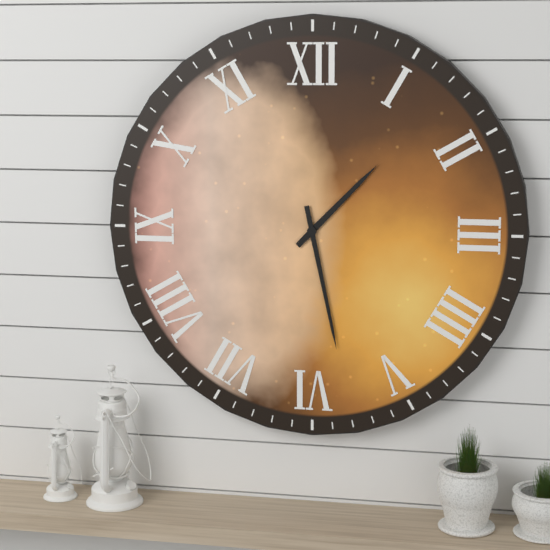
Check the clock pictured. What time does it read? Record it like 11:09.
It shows 1:28
